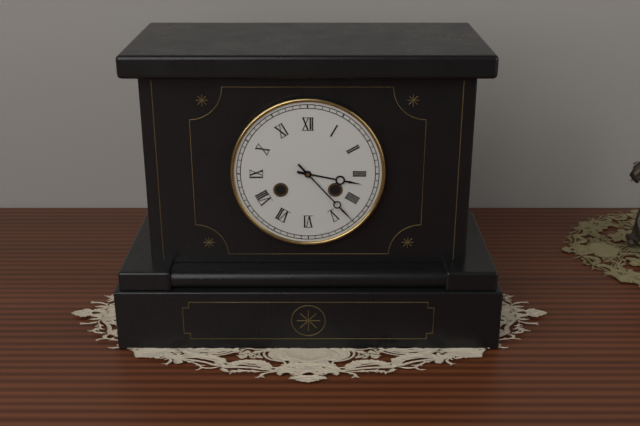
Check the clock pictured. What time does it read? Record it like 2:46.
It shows 3:23
